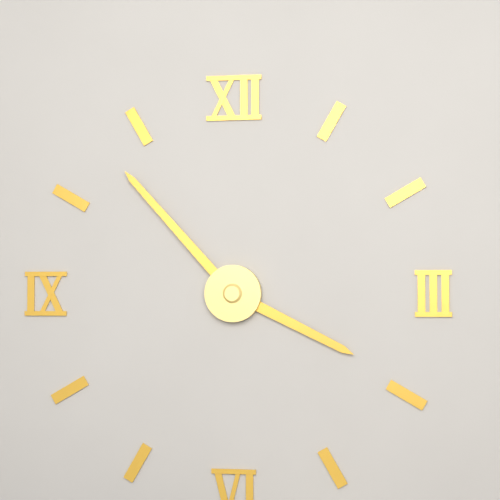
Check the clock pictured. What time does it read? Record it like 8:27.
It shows 3:53
